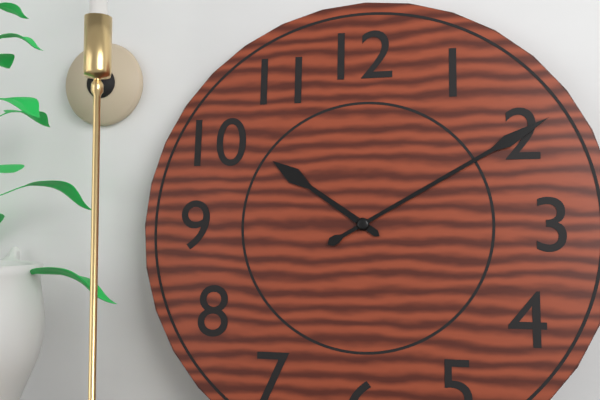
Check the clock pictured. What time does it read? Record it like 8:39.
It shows 10:10
